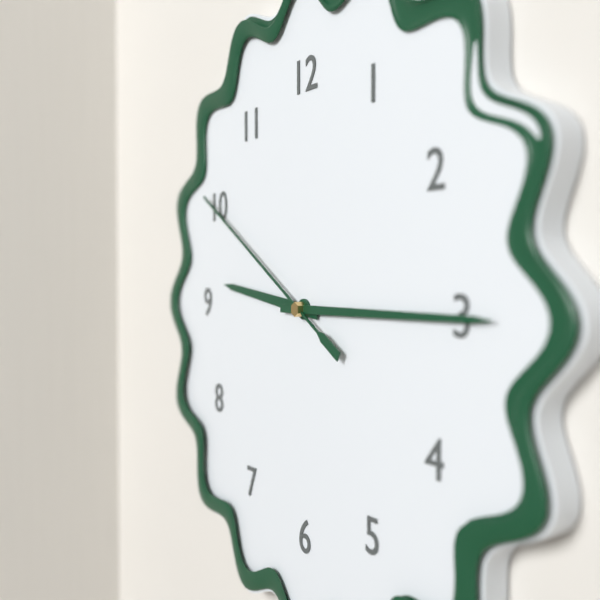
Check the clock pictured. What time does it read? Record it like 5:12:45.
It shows 9:15:50
